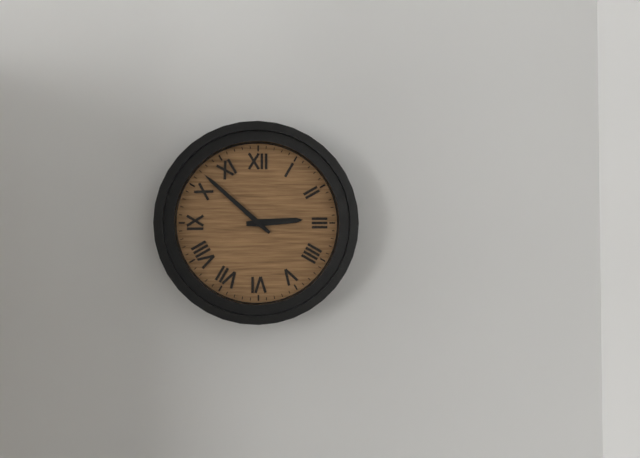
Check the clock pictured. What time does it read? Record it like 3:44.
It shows 2:52
